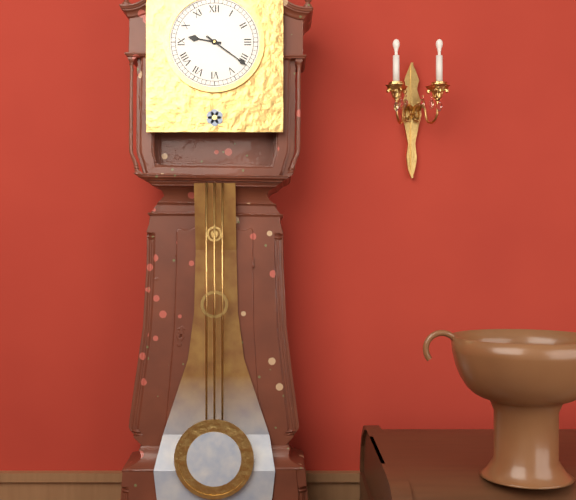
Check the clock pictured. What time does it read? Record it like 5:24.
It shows 9:21
